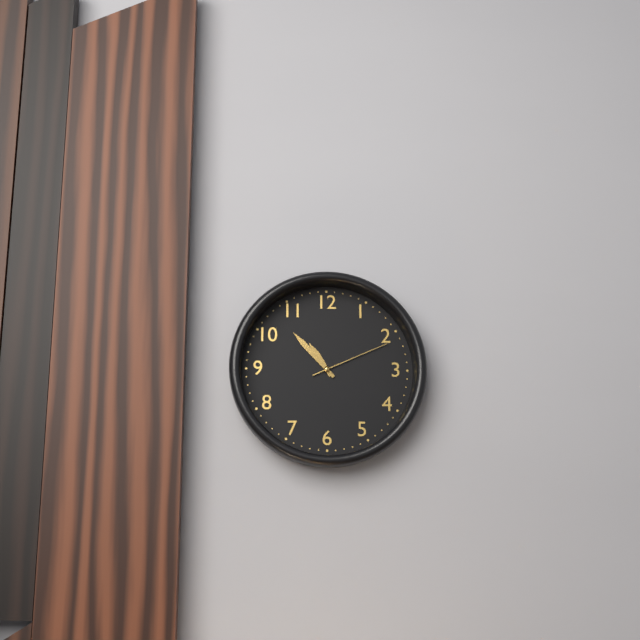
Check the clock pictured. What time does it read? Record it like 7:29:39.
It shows 10:53:11
